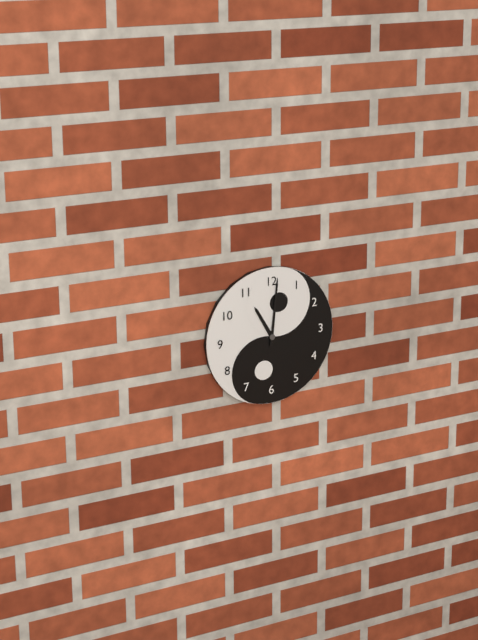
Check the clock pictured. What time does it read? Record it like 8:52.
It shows 11:01
